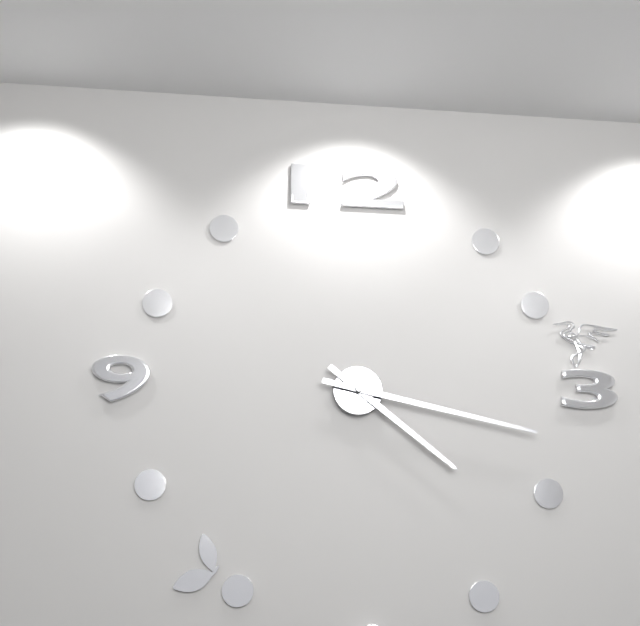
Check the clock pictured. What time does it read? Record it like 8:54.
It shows 4:17
